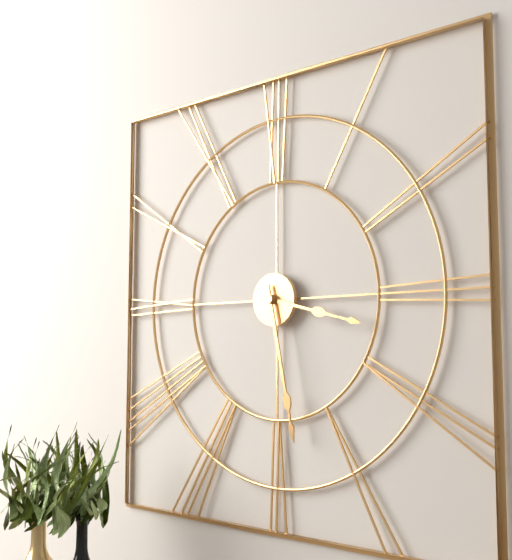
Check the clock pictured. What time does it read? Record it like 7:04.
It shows 3:28
